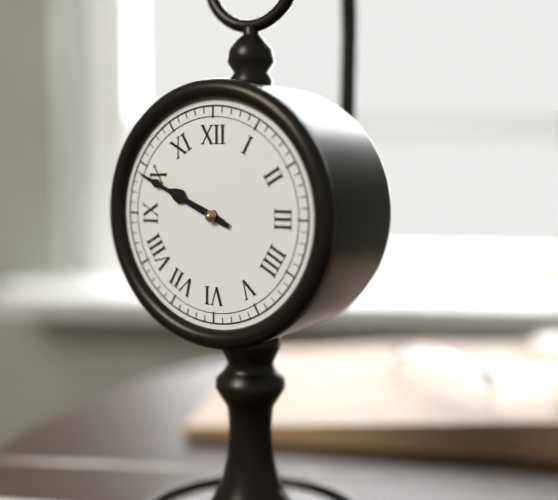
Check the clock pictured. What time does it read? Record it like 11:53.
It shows 9:49
